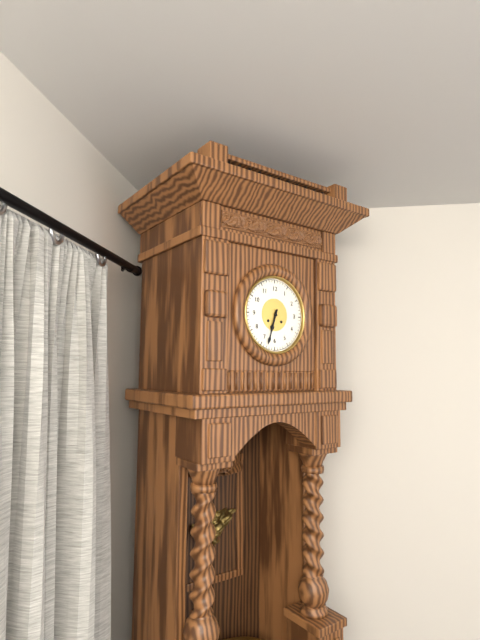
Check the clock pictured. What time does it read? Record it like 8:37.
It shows 6:33
